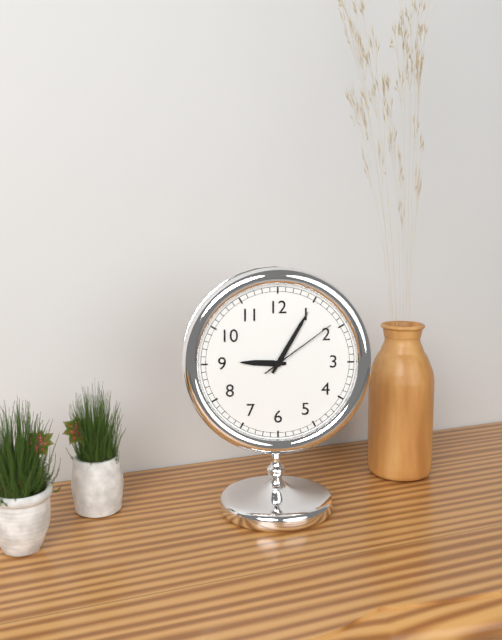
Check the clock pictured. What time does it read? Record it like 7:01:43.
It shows 9:05:09
